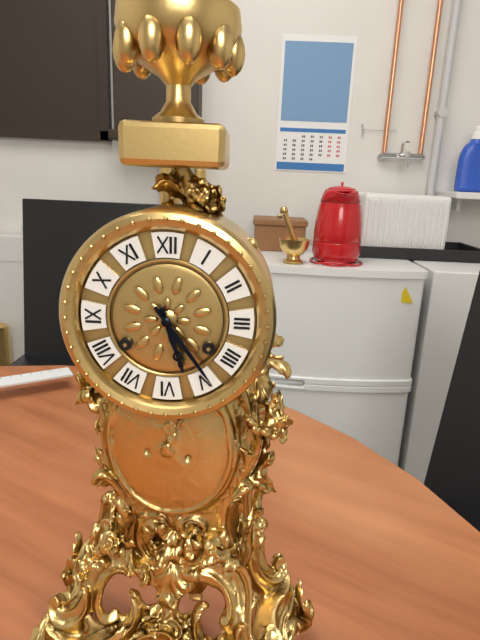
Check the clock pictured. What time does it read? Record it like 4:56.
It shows 5:24
